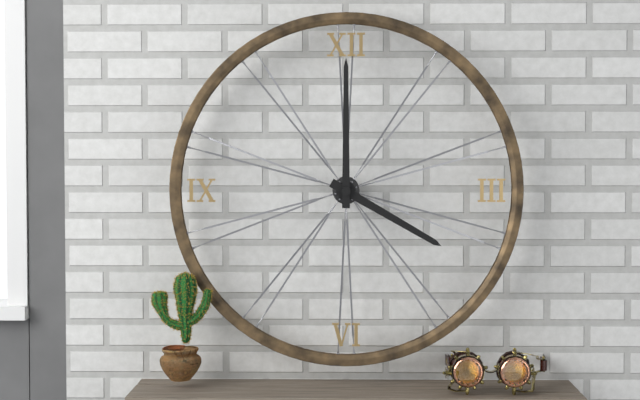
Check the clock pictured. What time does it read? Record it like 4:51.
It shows 4:00
